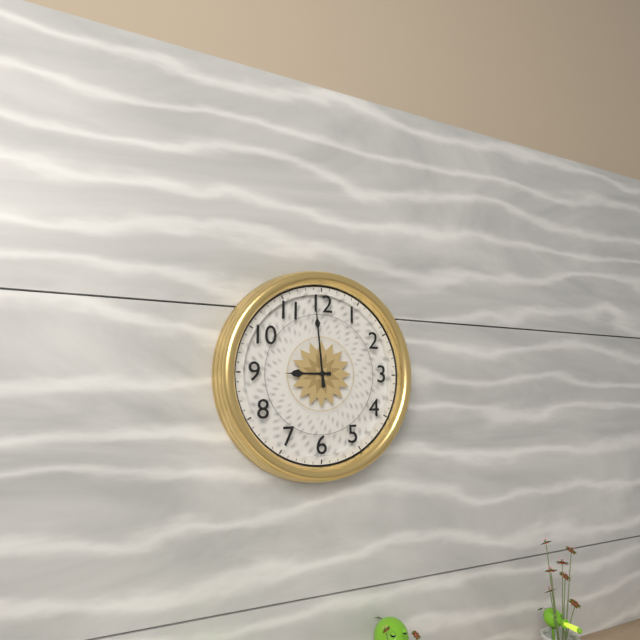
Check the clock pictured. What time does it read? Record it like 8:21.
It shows 8:59
